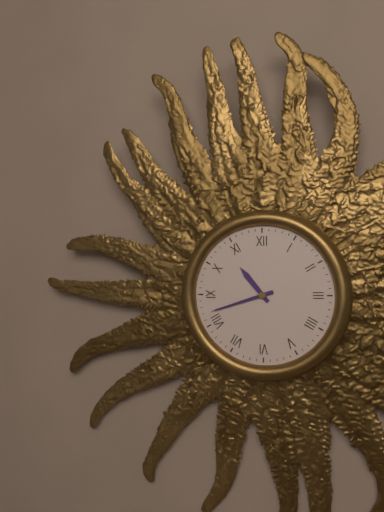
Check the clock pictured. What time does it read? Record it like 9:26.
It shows 10:42
